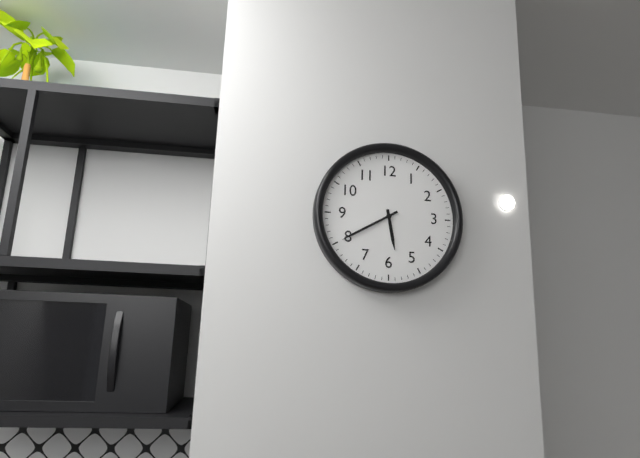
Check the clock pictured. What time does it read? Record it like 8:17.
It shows 5:40
